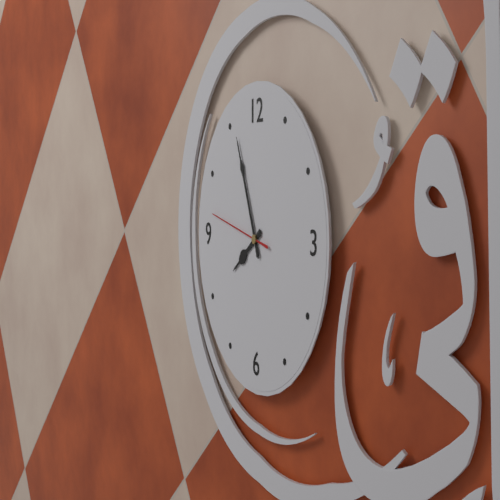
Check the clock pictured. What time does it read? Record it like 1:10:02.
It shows 7:56:47
